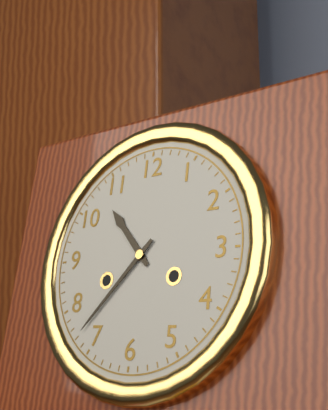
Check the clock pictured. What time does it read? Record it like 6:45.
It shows 10:37
